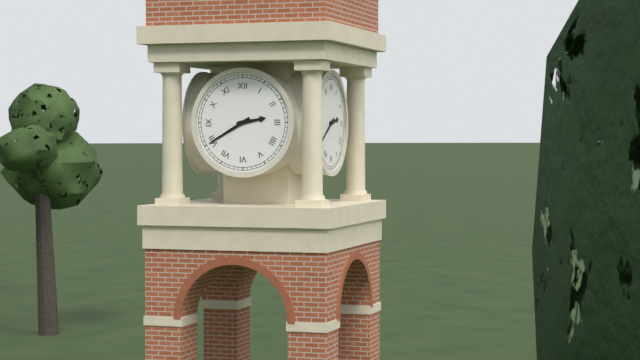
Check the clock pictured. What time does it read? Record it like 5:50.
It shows 2:40
